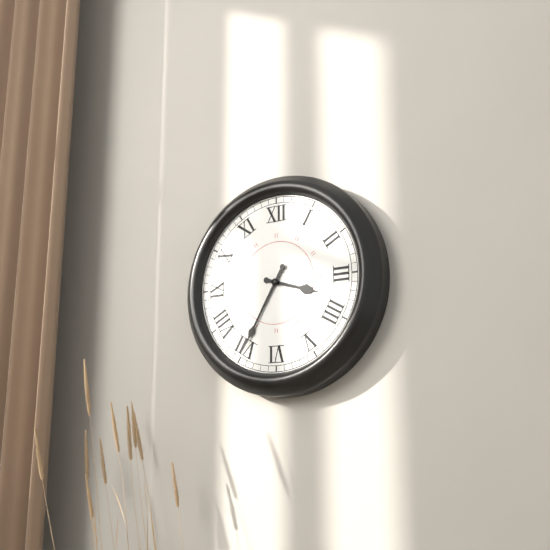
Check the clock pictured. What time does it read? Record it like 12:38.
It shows 3:35
